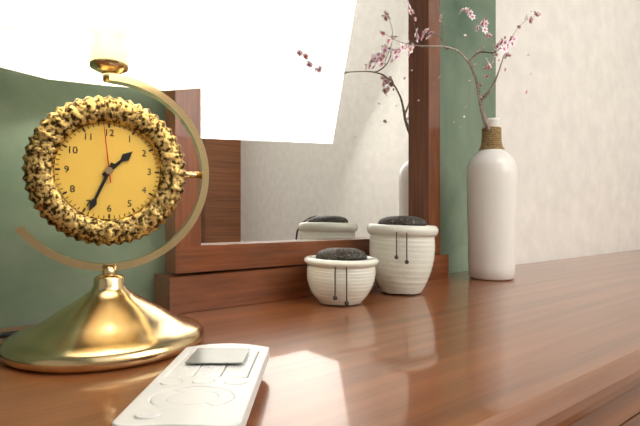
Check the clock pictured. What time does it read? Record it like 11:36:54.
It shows 1:34:59
